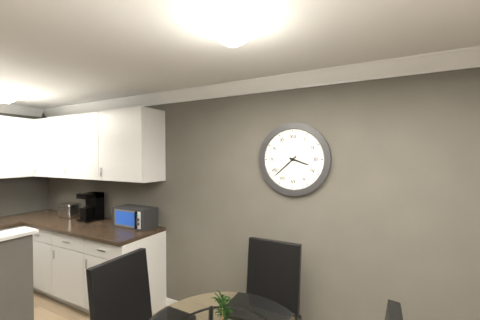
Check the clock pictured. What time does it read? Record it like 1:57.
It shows 3:38
